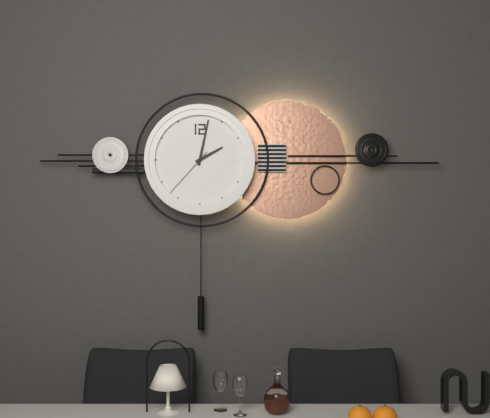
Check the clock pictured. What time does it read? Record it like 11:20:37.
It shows 2:02:37
